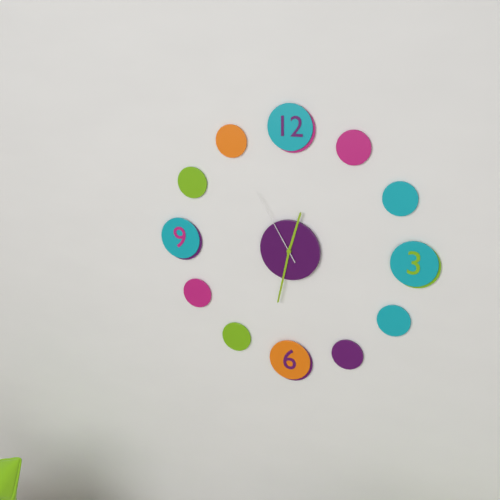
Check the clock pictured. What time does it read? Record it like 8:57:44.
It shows 12:32:55
